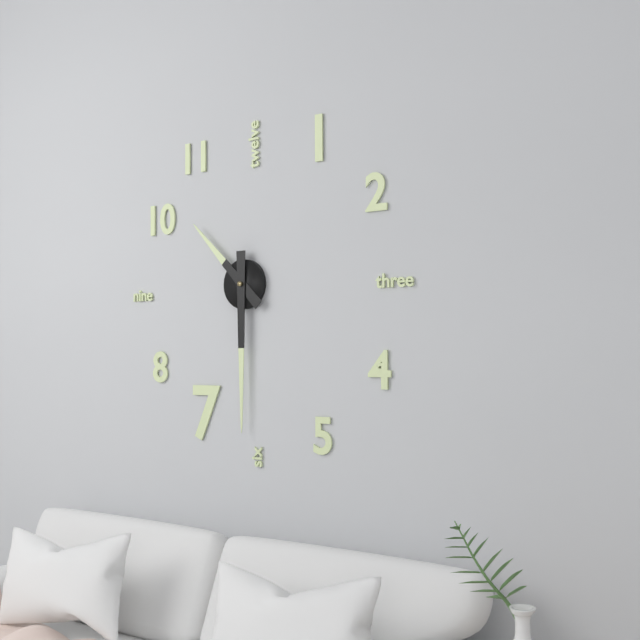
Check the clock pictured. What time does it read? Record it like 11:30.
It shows 10:30
